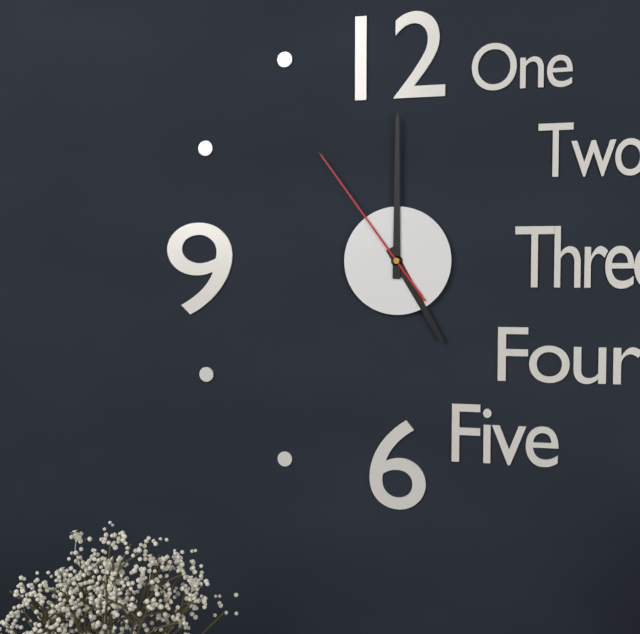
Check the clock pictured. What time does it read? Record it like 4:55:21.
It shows 5:00:54
